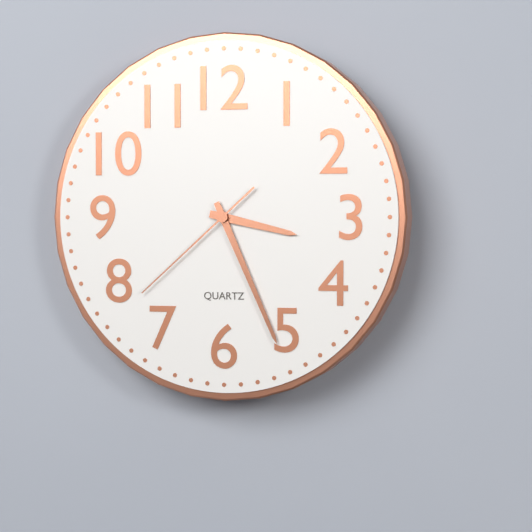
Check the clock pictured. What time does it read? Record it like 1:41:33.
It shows 3:26:38
